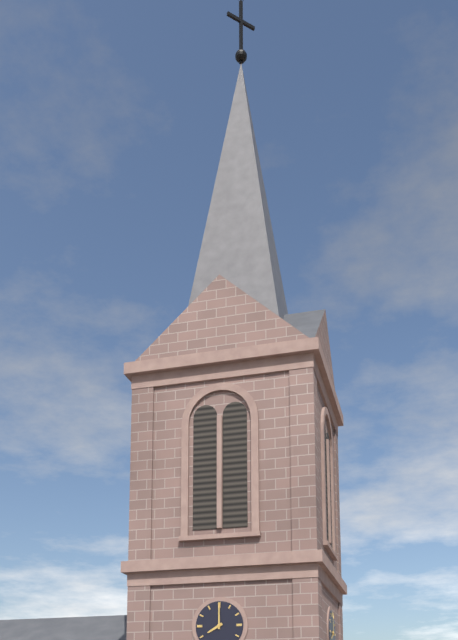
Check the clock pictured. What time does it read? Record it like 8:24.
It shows 8:00
